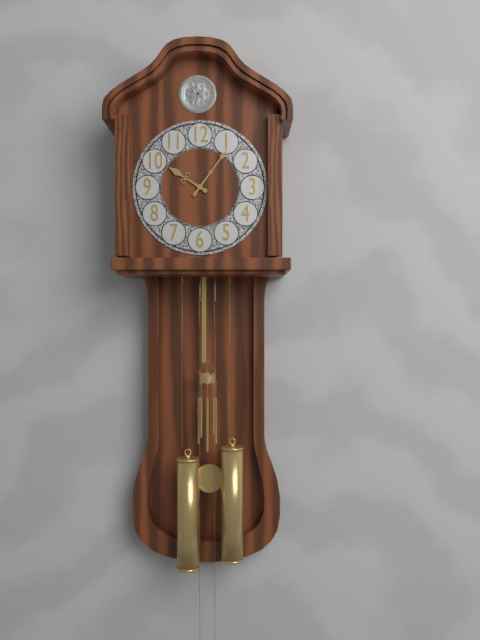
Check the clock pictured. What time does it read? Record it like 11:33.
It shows 10:06
